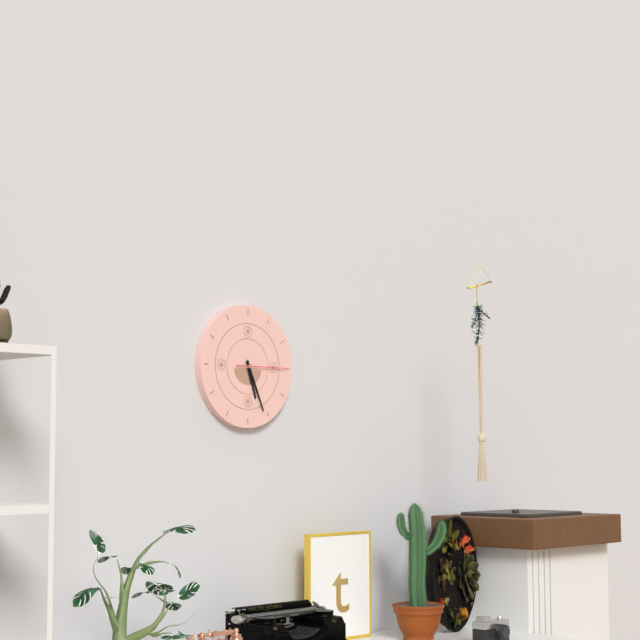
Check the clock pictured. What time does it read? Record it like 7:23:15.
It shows 5:26:15
